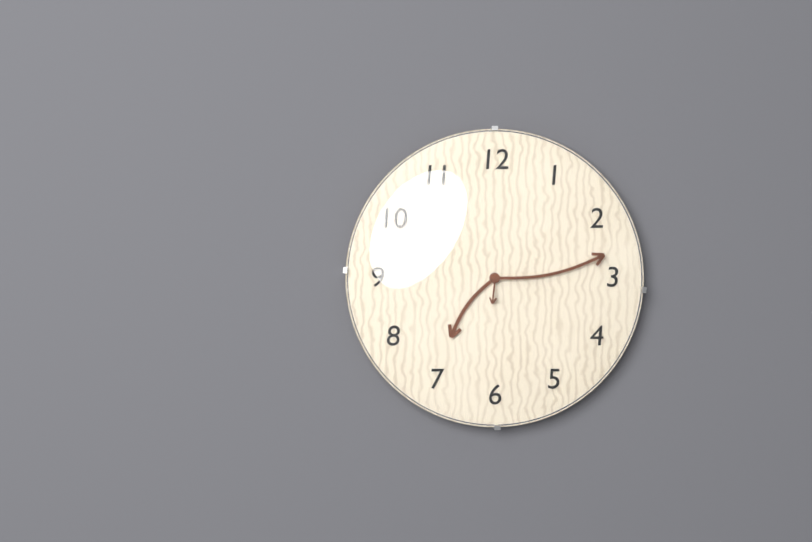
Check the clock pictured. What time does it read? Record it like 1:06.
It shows 7:13
